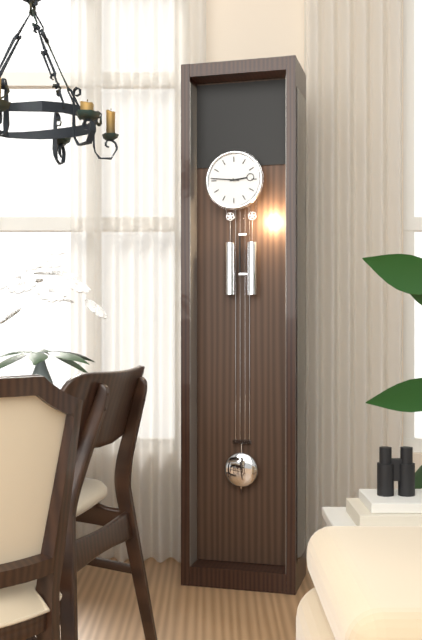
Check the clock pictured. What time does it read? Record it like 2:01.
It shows 2:46
